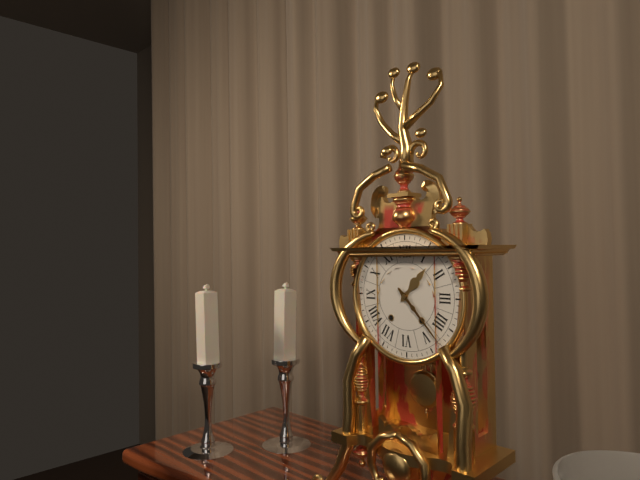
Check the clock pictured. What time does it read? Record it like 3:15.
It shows 1:23
